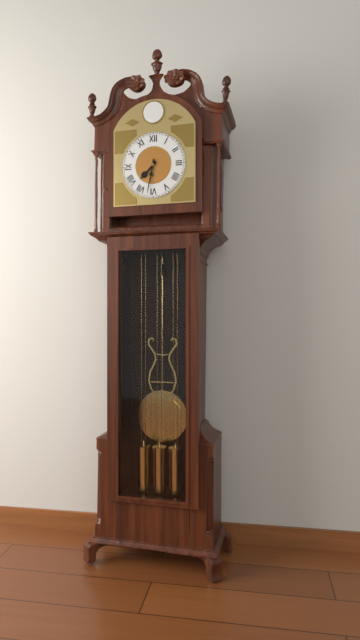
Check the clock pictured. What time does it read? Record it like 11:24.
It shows 7:32
